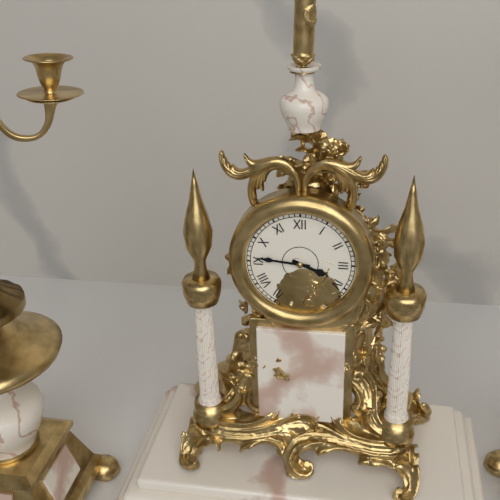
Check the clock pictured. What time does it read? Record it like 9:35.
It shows 3:46
